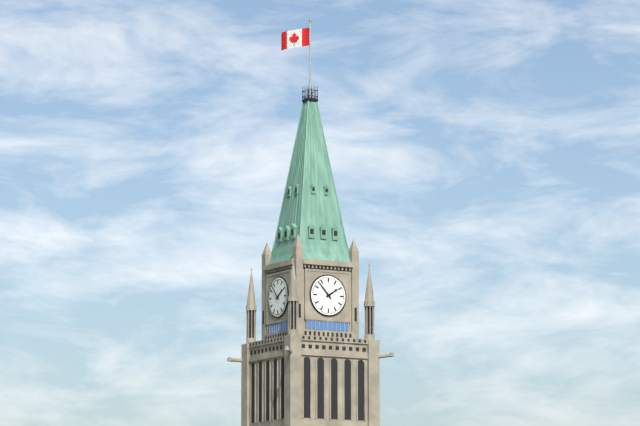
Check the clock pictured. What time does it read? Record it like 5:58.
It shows 1:53
